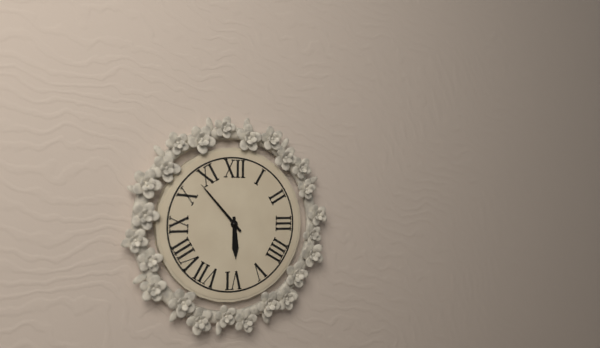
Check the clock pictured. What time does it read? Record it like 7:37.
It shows 5:53
